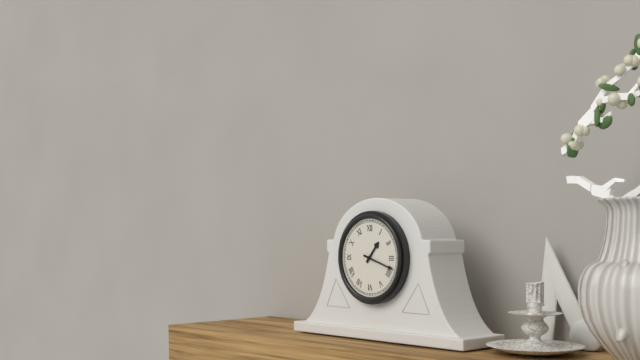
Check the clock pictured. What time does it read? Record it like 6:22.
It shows 1:18
